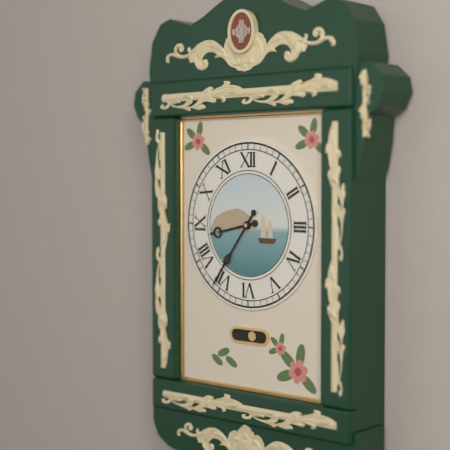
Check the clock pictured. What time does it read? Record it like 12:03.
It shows 8:36
